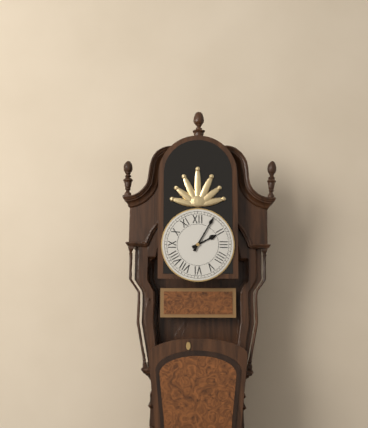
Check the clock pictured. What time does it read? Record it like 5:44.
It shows 2:05
